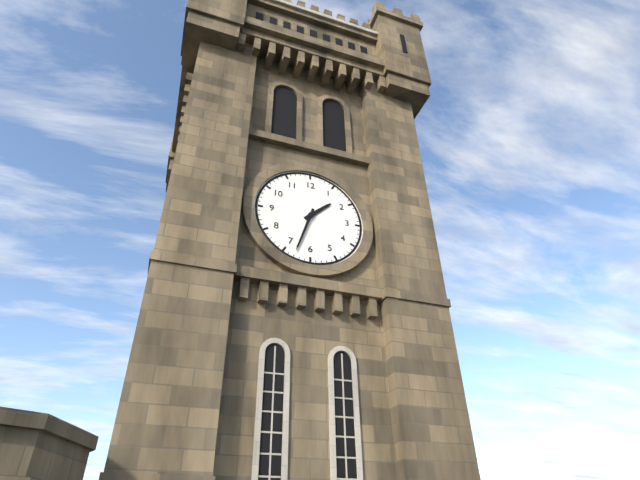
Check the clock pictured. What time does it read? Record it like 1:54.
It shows 1:33
